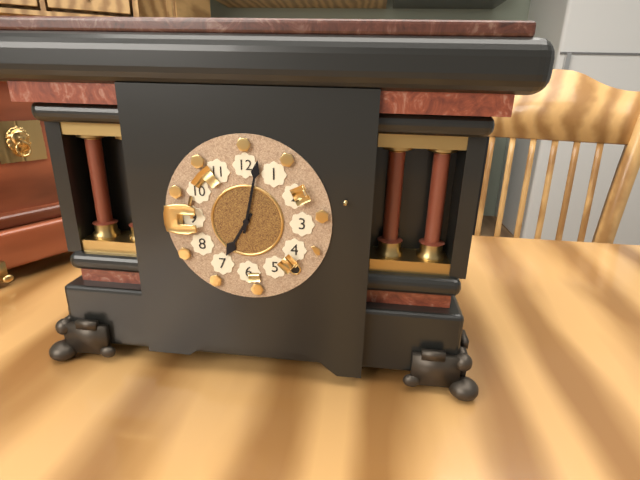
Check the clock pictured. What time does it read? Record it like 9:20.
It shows 7:02
